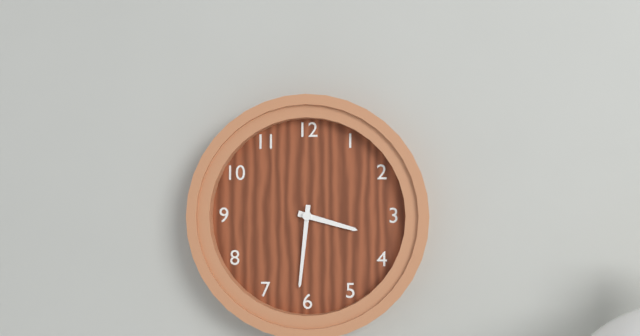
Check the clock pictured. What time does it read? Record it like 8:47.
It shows 3:31
